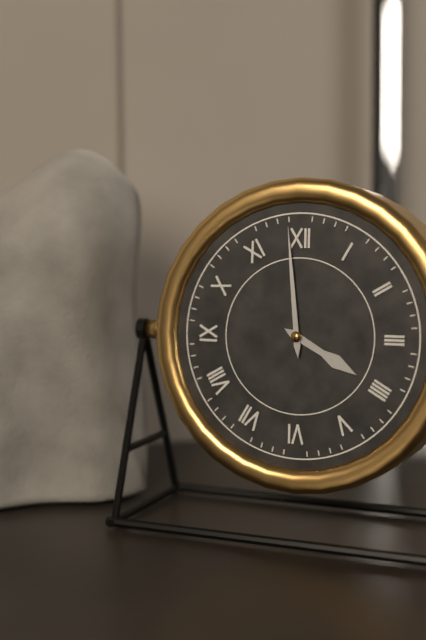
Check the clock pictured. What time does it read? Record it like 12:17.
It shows 3:59
